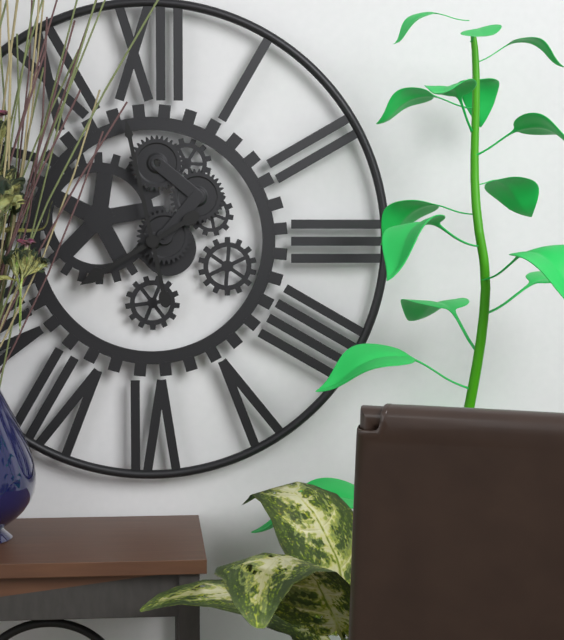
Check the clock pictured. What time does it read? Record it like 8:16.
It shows 7:58
